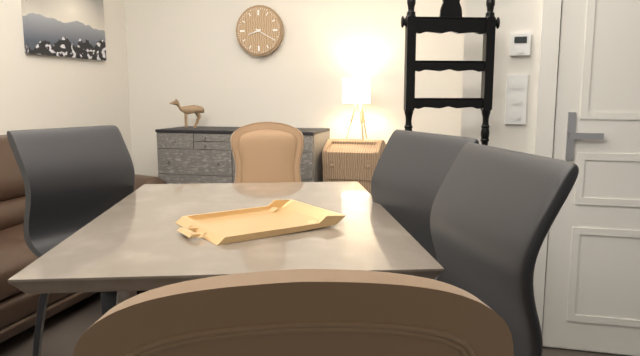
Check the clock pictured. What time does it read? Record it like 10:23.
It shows 8:20
